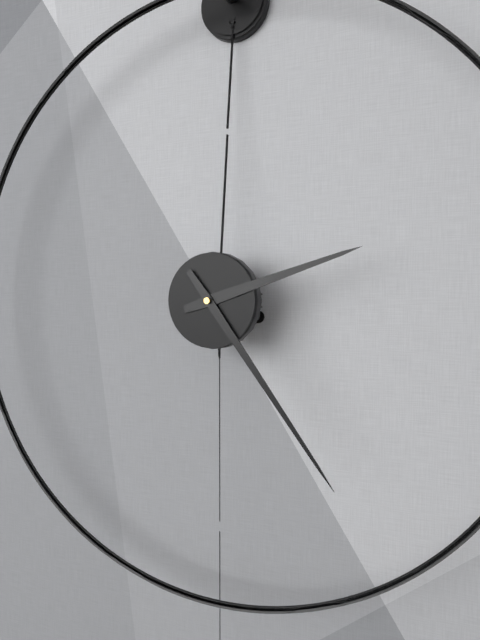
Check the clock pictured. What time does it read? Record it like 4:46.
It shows 2:24
